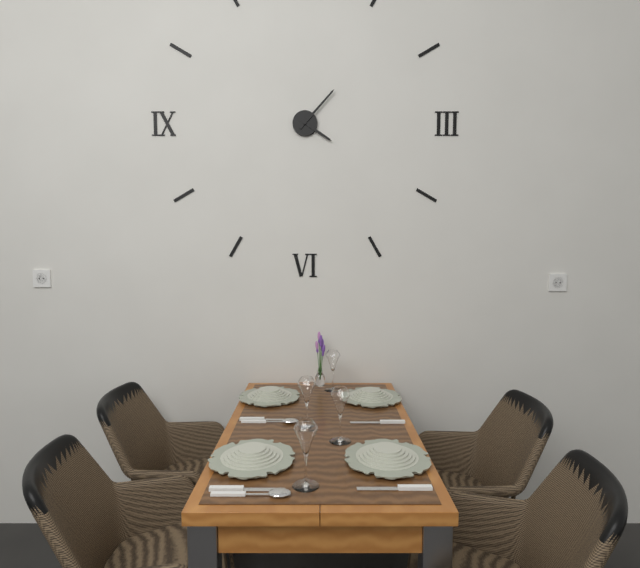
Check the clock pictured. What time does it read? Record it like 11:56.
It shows 4:07
